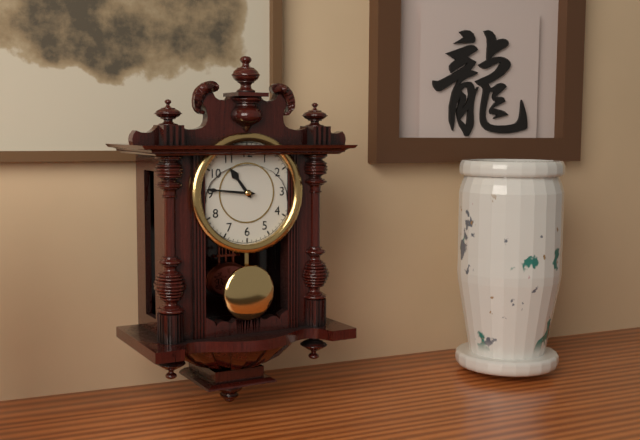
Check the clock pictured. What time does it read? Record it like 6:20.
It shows 10:46
